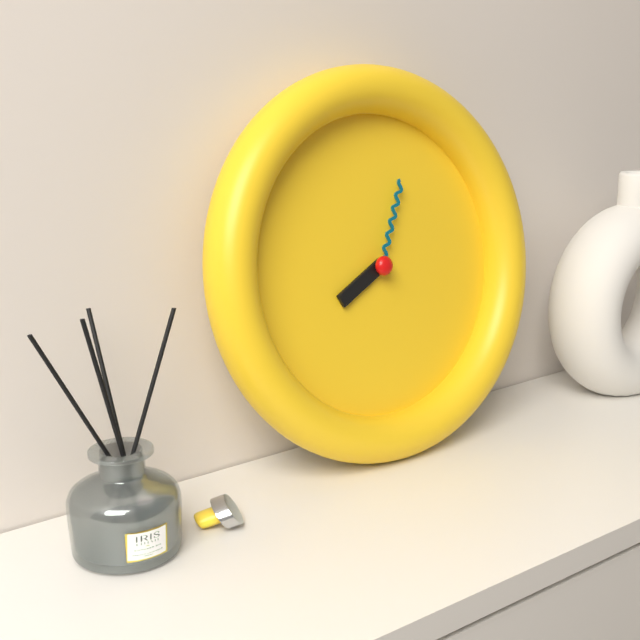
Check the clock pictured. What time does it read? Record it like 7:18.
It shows 8:04
